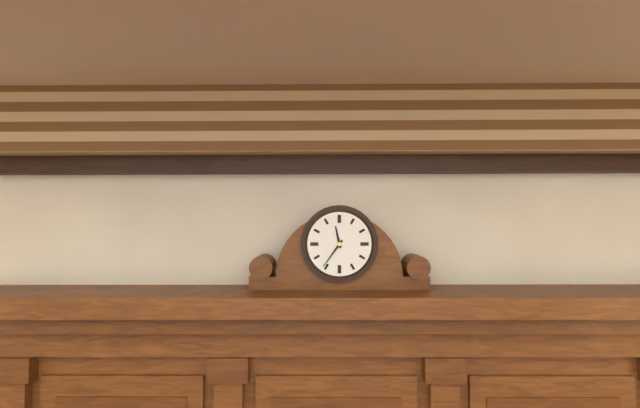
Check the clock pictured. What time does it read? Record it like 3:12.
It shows 11:36
